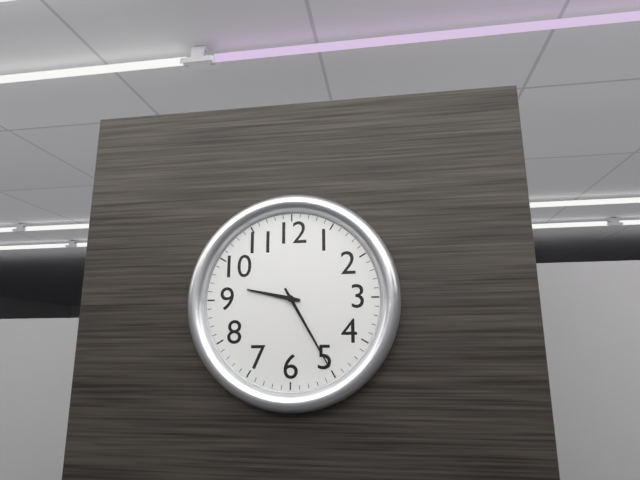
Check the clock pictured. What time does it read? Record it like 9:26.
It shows 9:25
